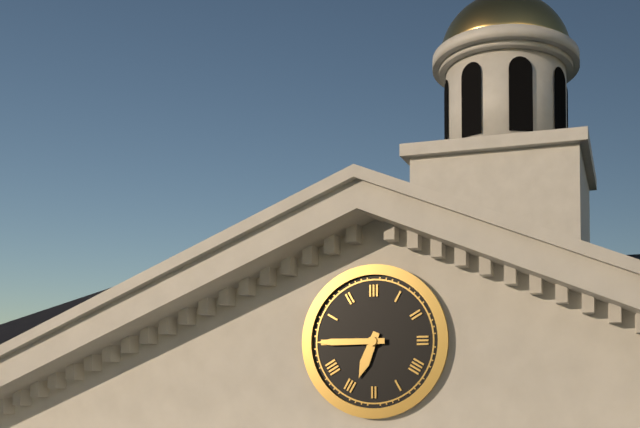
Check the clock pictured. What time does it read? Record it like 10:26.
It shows 6:45
